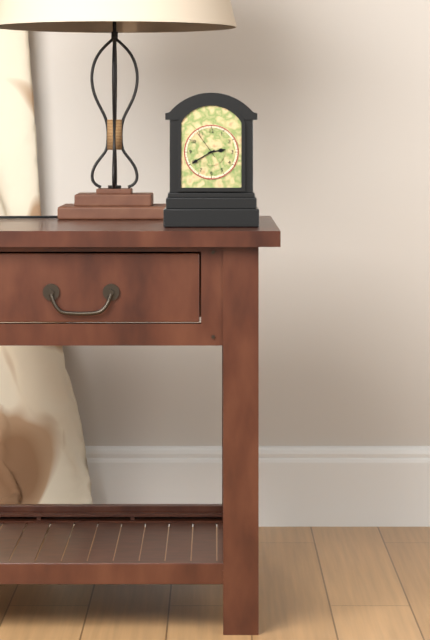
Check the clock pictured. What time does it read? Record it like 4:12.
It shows 2:40
